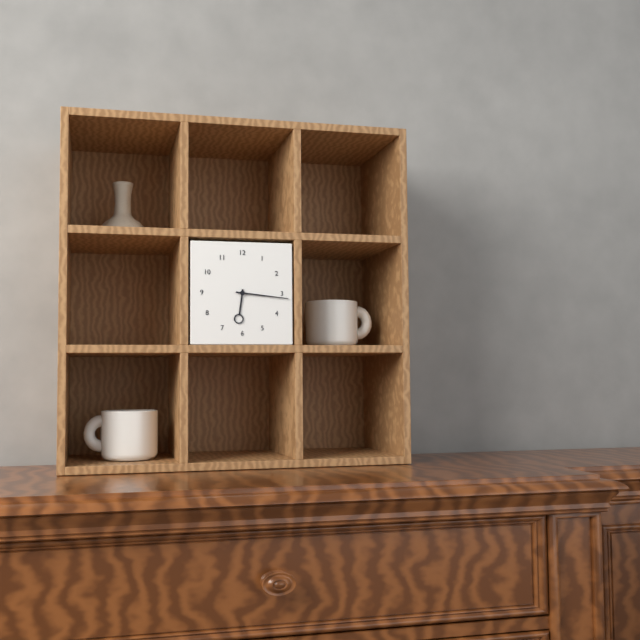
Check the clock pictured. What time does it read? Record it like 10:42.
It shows 6:16
